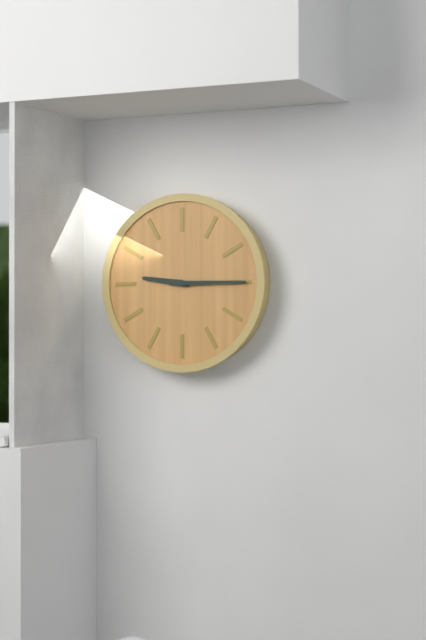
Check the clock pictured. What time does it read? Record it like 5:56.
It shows 9:15
